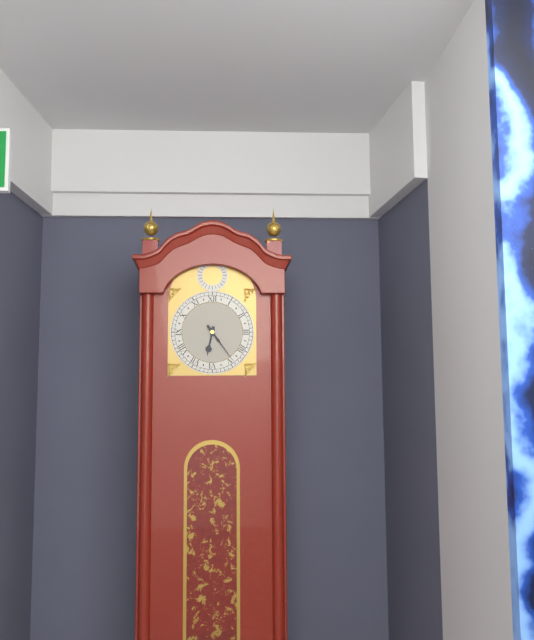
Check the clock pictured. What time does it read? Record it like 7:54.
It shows 6:24
